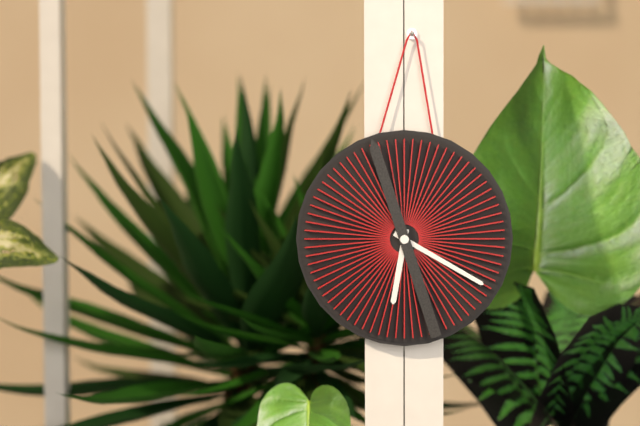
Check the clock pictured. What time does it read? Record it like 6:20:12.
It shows 6:20:57
